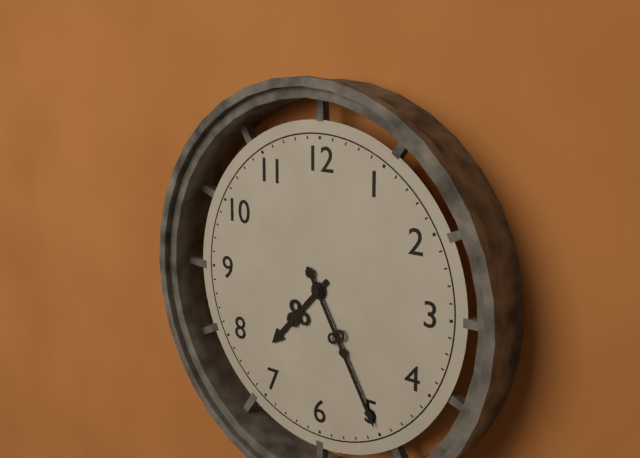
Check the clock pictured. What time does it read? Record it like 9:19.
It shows 7:25
